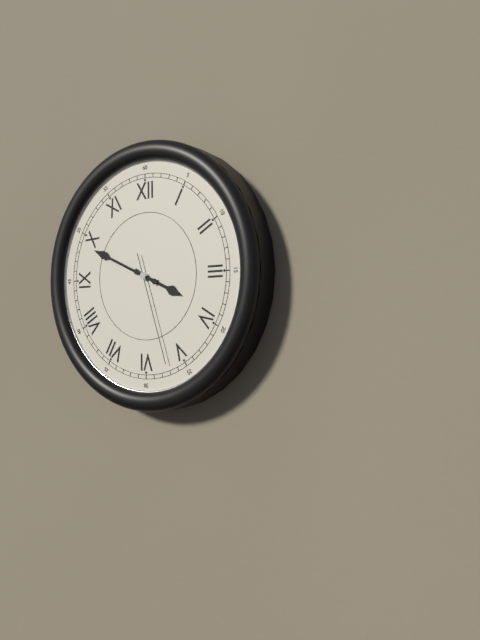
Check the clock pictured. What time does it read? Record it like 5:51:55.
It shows 3:49:27
